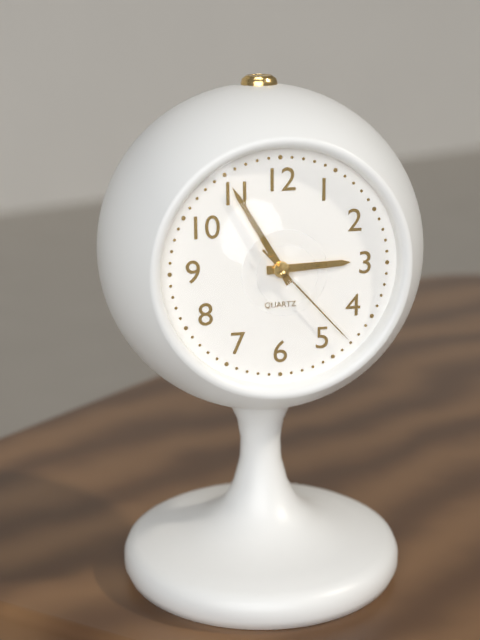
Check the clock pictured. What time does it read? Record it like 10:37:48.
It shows 2:55:23
